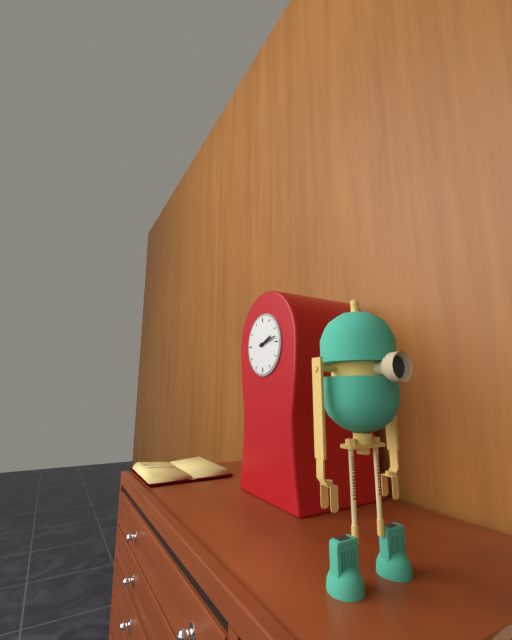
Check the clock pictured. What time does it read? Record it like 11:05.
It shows 2:13
